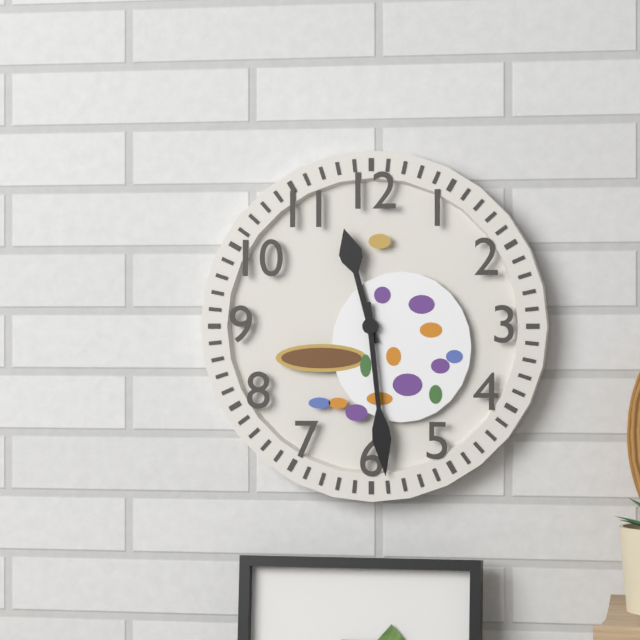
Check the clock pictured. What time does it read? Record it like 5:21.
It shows 11:29
